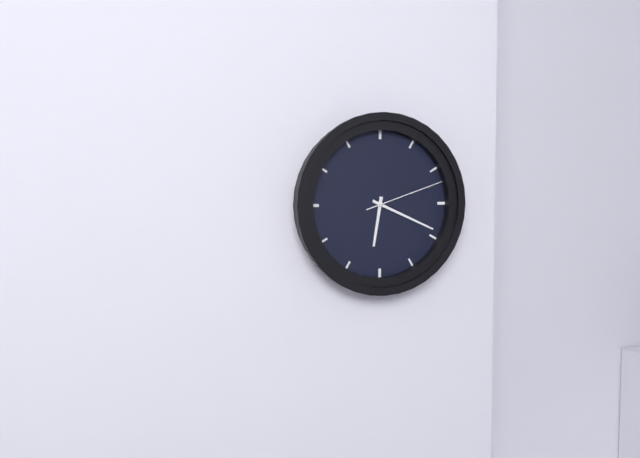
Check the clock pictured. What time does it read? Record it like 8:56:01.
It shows 6:19:12
